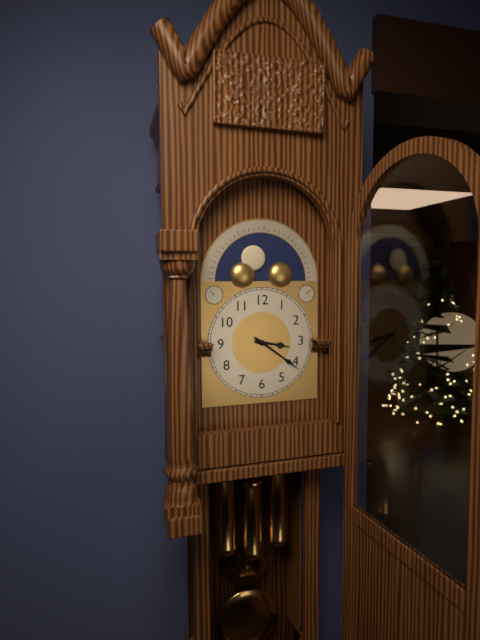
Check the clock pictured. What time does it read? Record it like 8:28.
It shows 3:21
